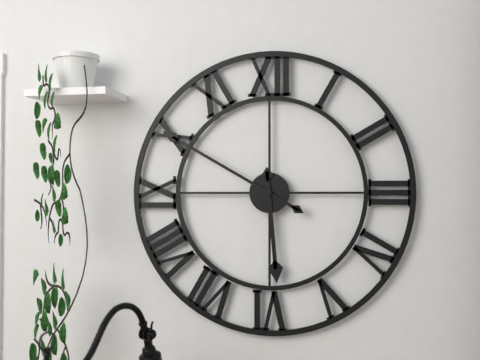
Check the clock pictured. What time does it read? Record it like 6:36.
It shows 5:50
